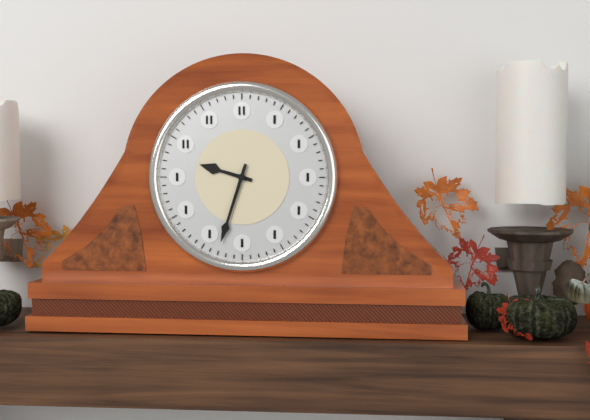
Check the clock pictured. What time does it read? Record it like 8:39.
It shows 9:33
